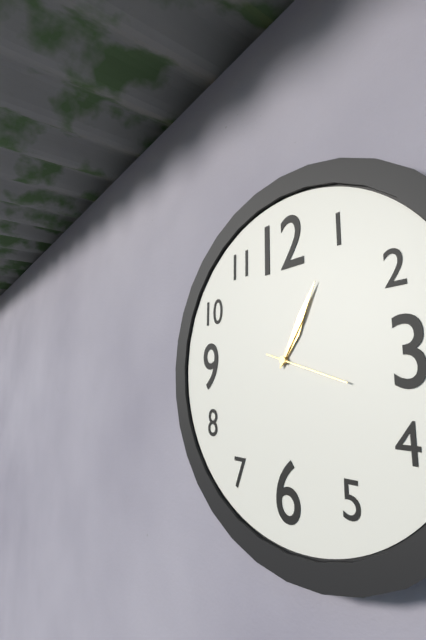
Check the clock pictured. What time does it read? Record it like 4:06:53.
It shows 1:05:18
